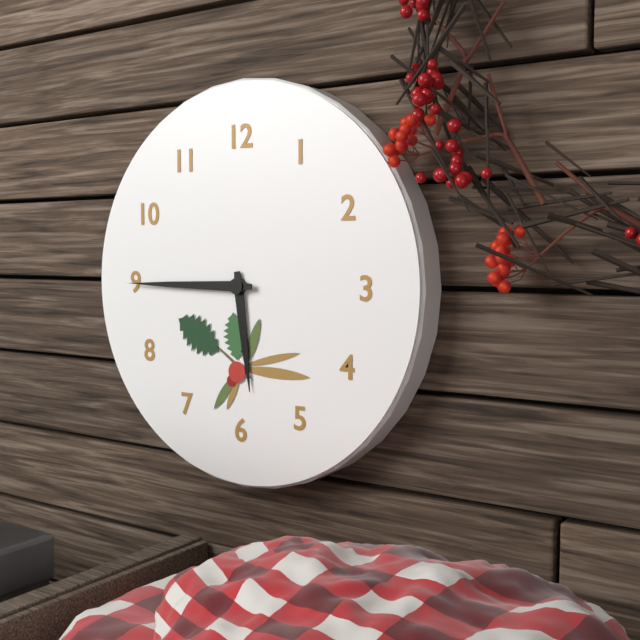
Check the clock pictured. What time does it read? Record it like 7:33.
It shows 5:45
